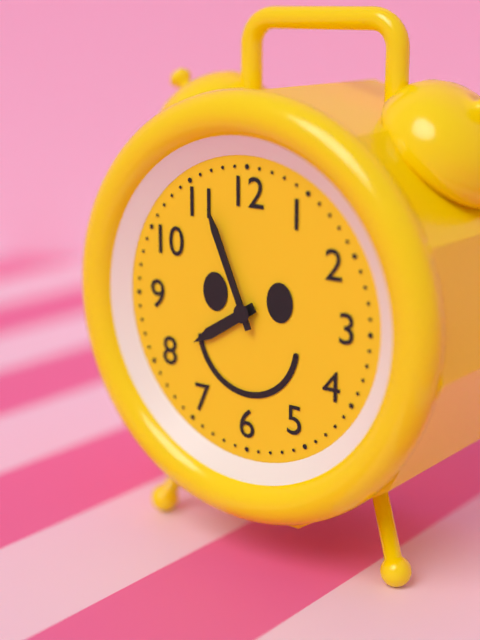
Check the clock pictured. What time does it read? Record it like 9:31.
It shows 7:56
